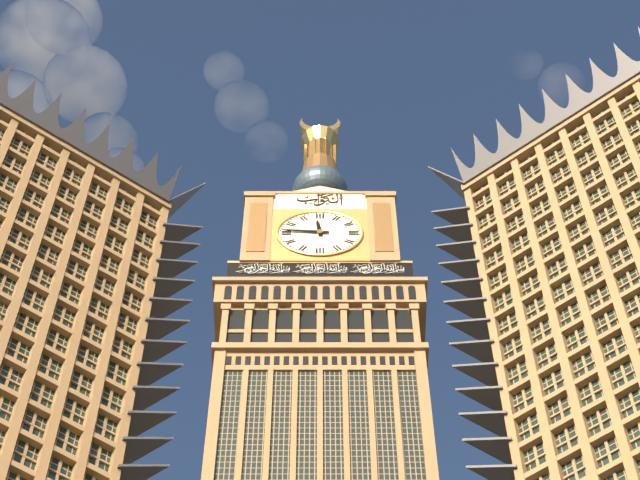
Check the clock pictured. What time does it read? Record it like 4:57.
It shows 11:46
